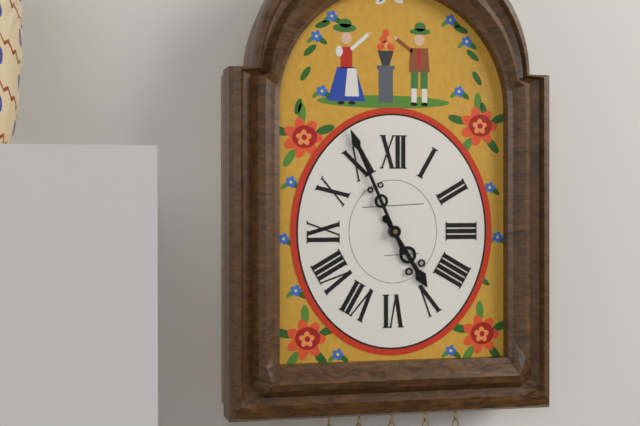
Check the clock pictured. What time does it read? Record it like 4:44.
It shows 4:56
